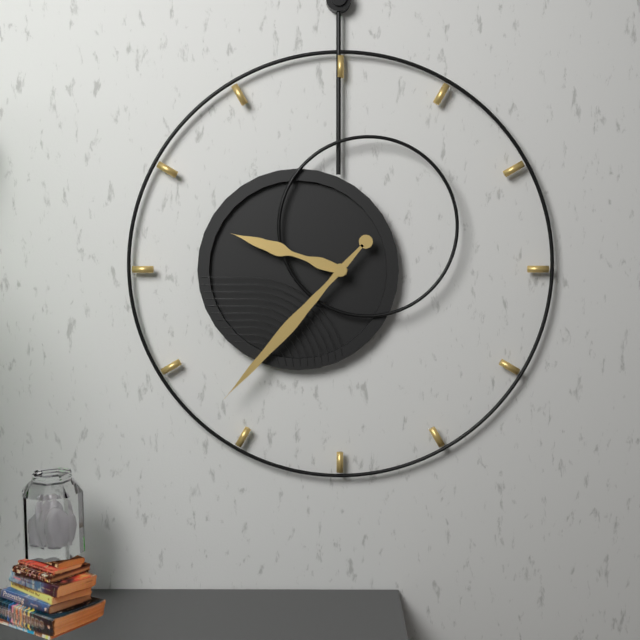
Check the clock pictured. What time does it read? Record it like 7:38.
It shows 9:37
